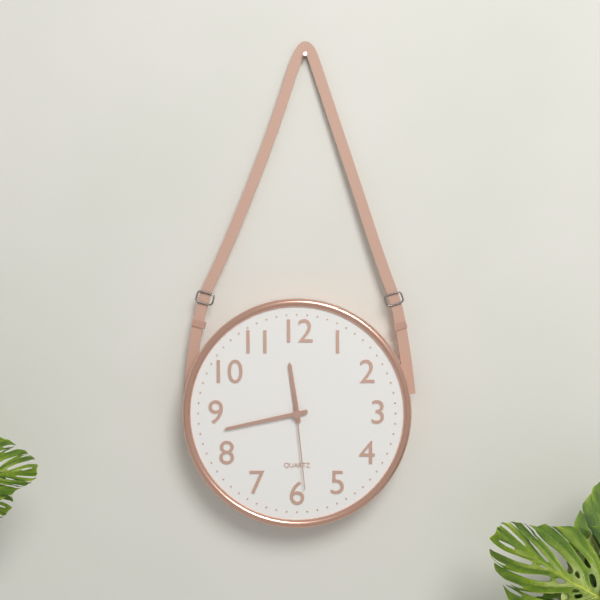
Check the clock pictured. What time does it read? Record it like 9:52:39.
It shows 11:43:29
